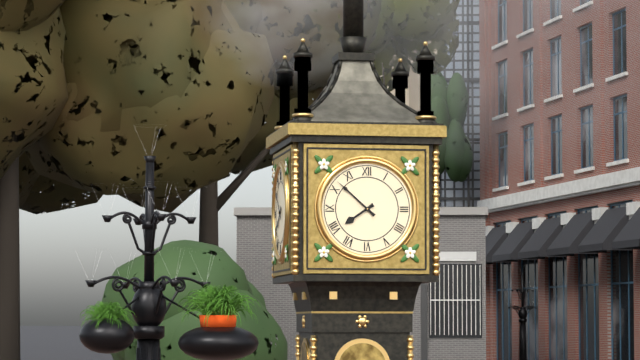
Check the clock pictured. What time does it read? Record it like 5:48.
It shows 7:52
